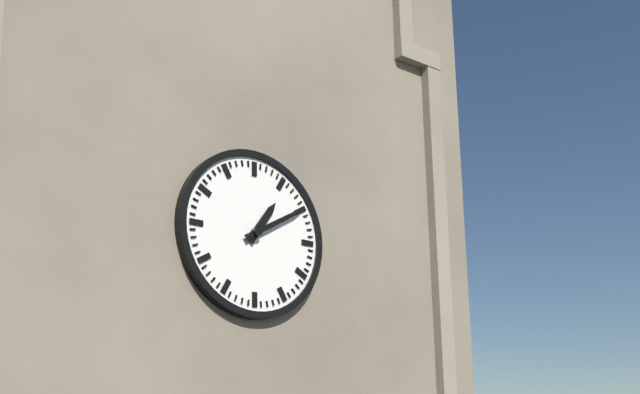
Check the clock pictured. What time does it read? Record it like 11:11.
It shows 1:10
